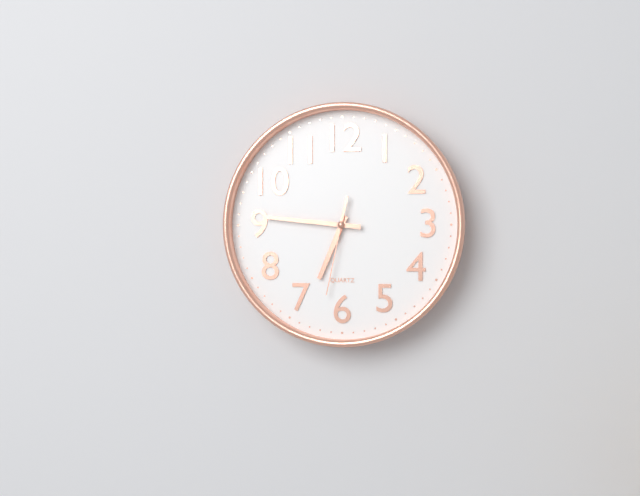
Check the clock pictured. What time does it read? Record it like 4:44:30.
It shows 6:46:32
